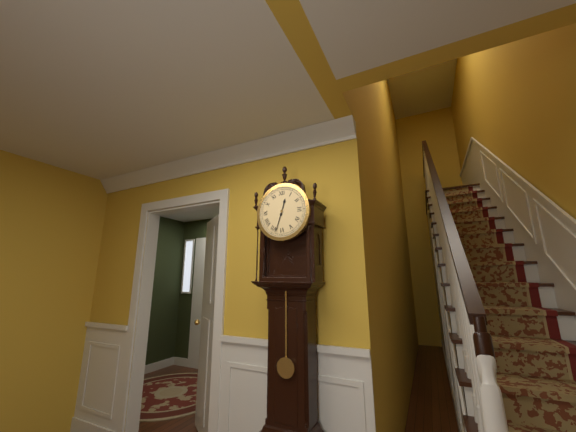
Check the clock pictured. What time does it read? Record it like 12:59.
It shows 12:33
